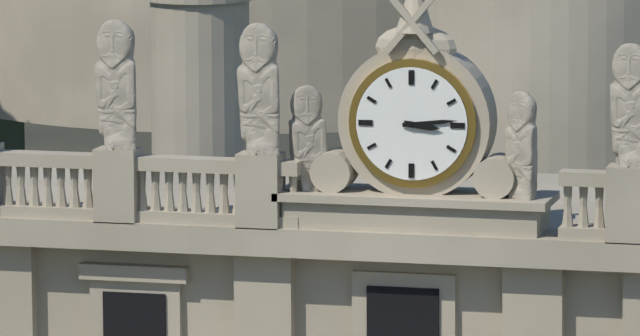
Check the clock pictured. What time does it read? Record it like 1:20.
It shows 3:14
